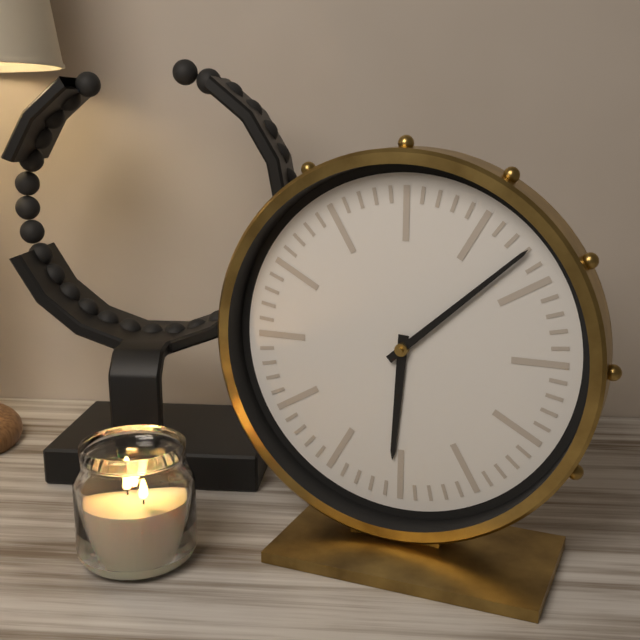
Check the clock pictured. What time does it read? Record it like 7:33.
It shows 6:08
